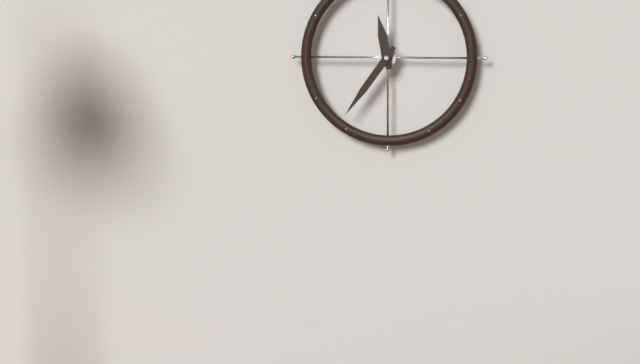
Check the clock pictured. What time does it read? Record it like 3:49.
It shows 11:36
